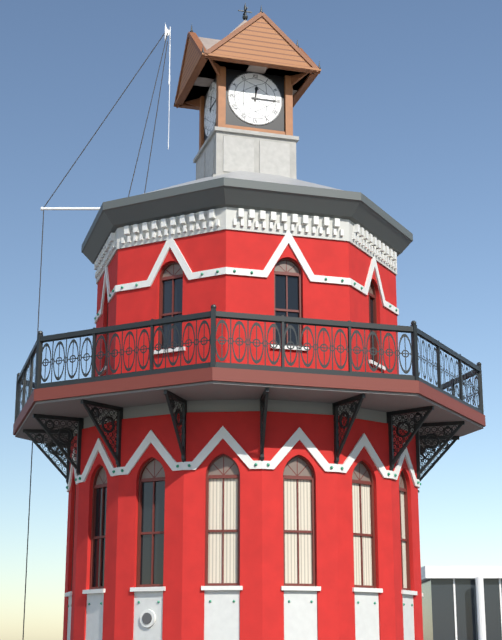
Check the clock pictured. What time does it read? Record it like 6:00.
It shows 12:15
